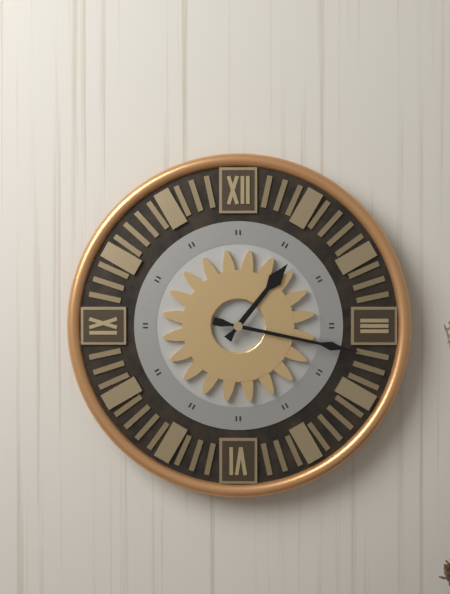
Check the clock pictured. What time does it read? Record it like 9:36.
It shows 1:17
